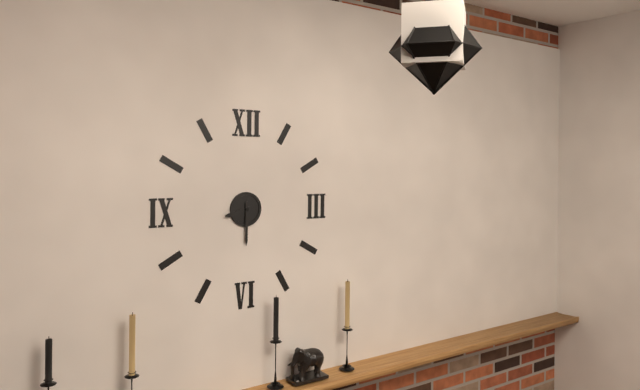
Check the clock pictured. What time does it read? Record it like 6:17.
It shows 8:30
